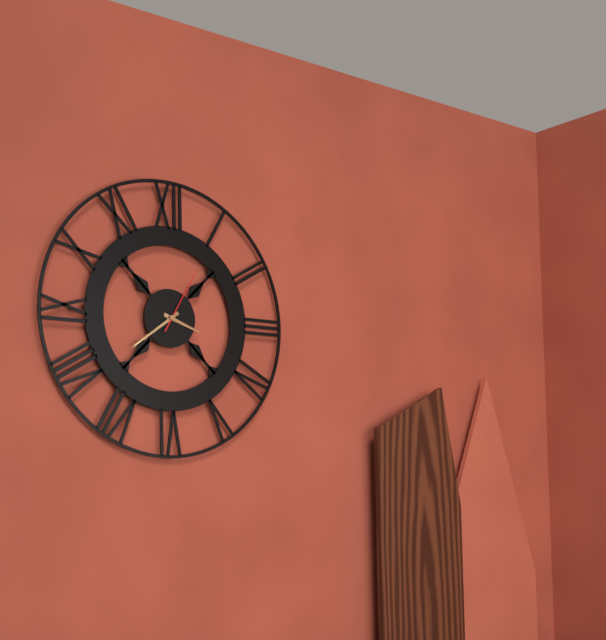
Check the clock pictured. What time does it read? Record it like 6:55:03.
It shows 3:39:05
